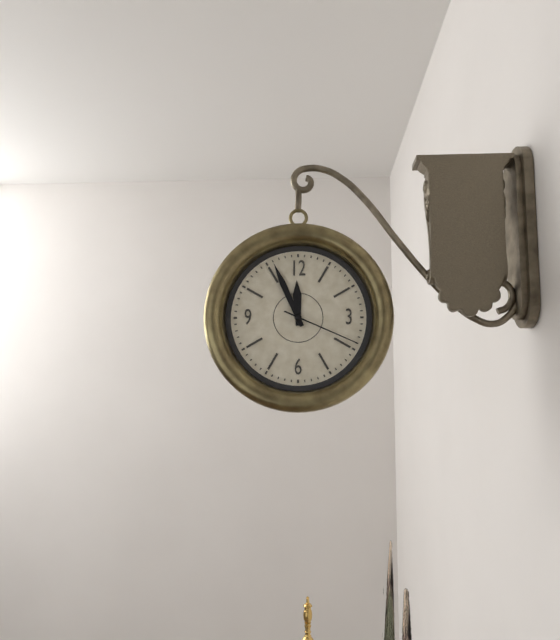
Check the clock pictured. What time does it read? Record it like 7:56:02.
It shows 11:56:19
